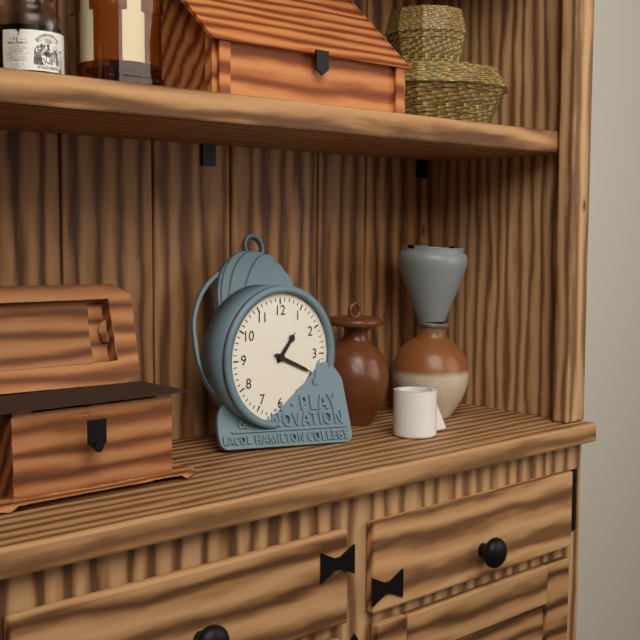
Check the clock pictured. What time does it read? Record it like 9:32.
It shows 1:19
